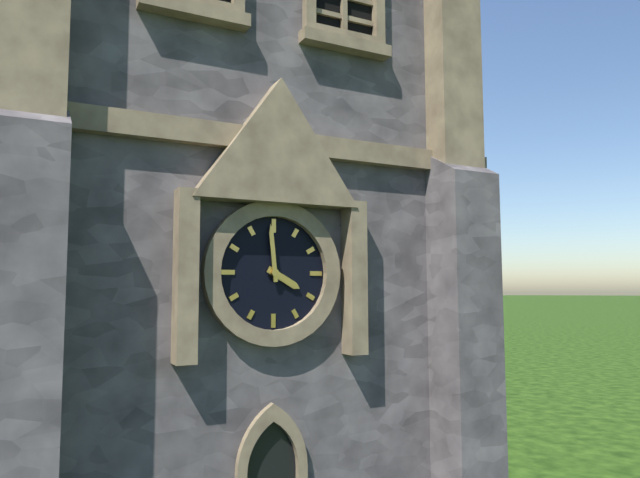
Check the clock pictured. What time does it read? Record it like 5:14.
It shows 3:59
